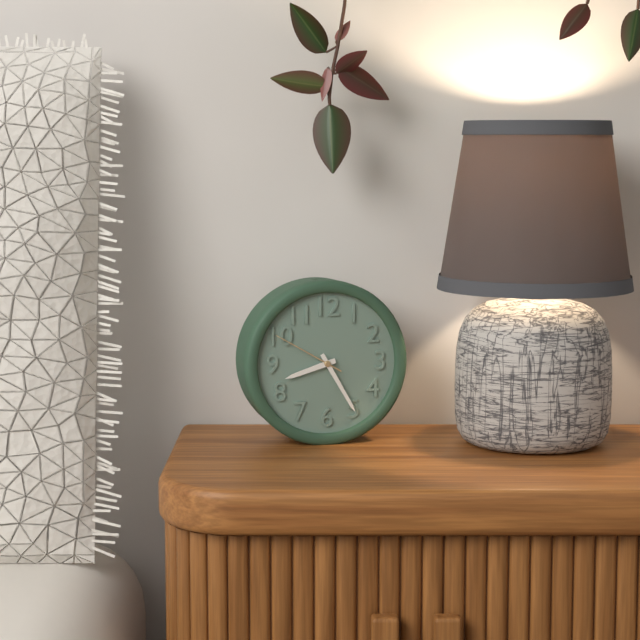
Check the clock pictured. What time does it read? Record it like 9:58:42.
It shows 8:25:50
